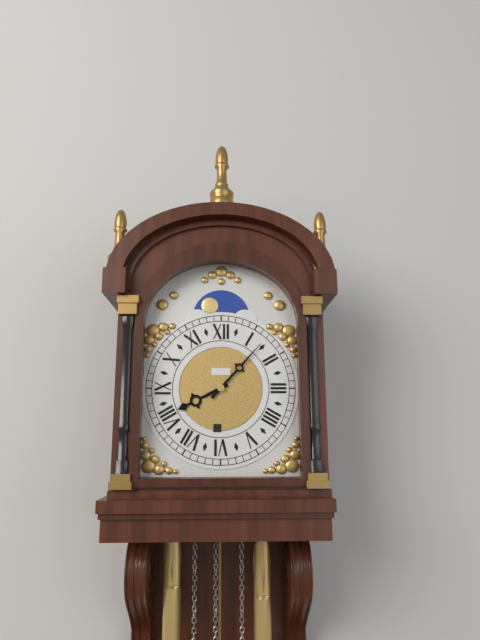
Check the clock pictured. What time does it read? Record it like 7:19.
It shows 8:07
